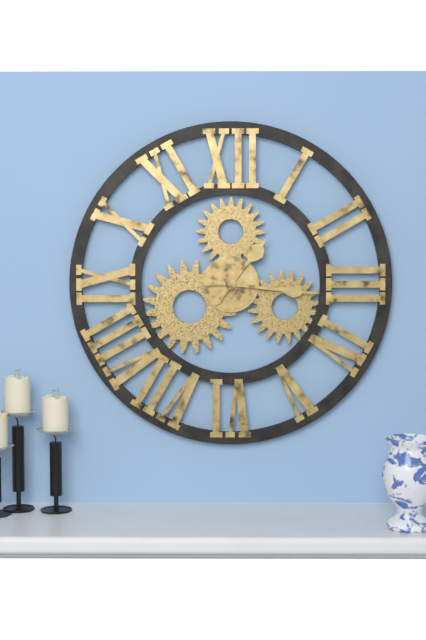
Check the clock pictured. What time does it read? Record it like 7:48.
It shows 1:16
